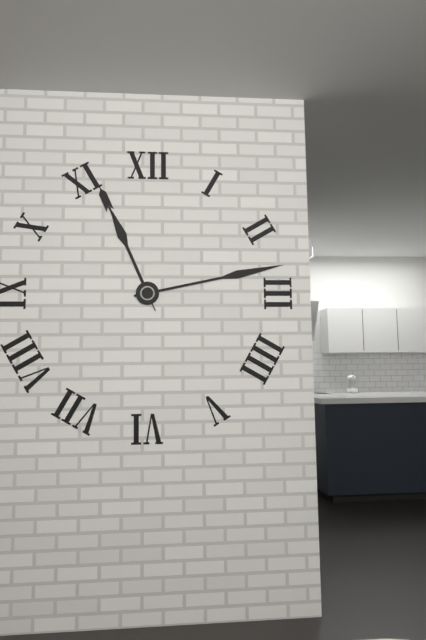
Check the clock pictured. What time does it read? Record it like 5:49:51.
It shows 11:13:56
